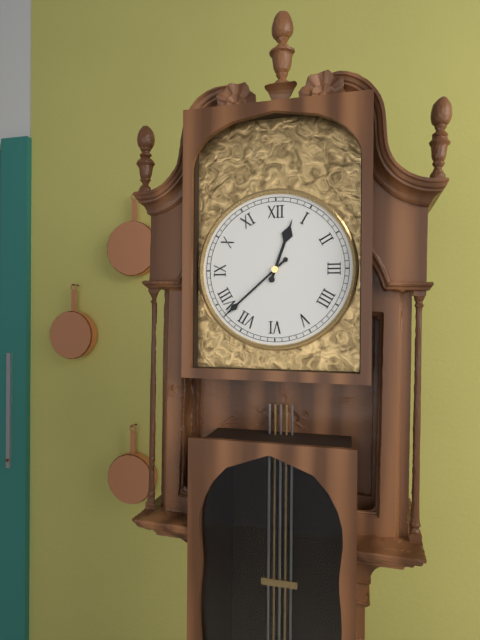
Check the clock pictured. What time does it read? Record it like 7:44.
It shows 12:38
